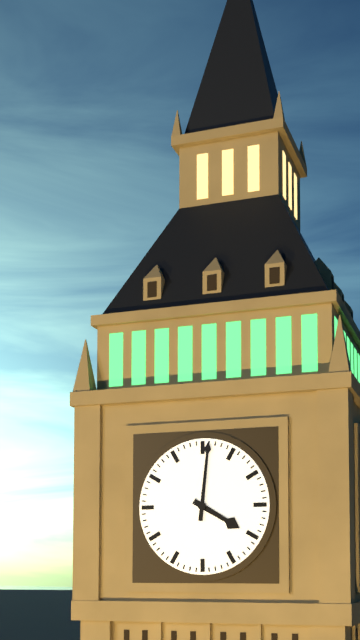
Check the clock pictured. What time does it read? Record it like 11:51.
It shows 4:01
